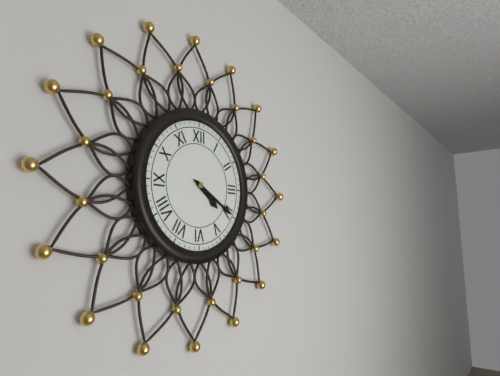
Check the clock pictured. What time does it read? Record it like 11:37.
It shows 4:20
